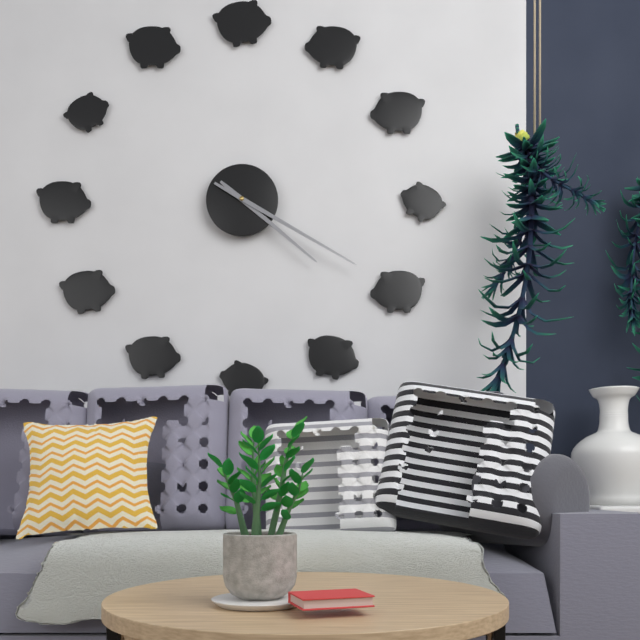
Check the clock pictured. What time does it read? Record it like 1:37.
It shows 4:20
